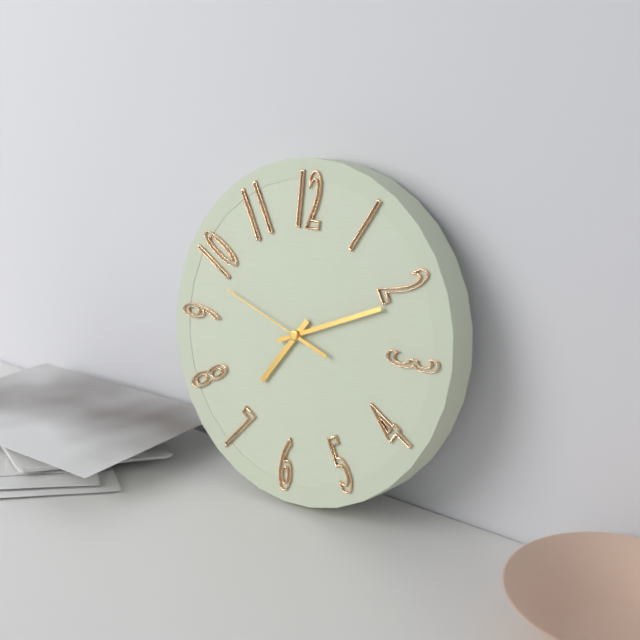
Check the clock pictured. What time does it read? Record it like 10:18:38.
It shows 7:11:48
